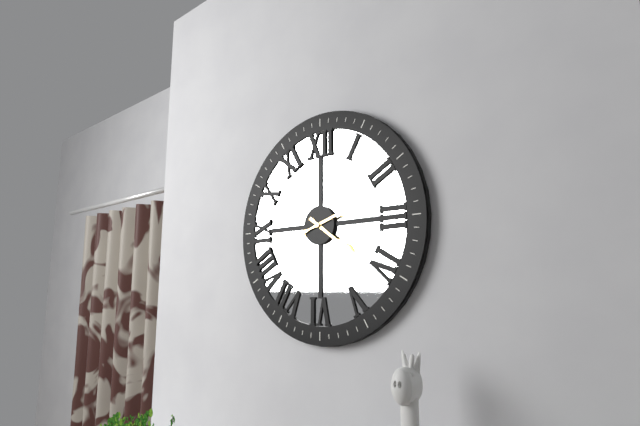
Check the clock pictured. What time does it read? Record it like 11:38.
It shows 4:12
